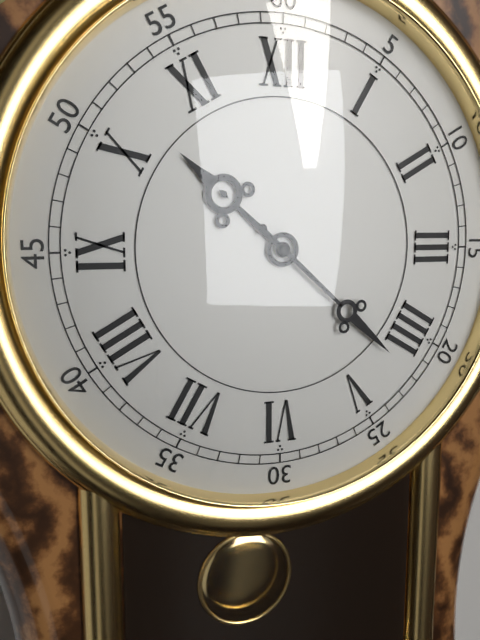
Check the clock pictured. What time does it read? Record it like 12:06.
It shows 10:22
